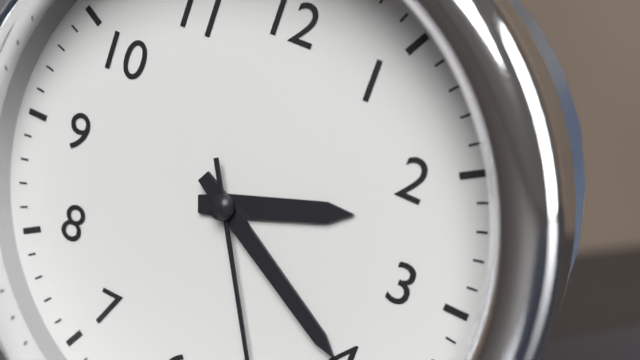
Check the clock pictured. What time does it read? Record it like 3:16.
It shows 2:20
